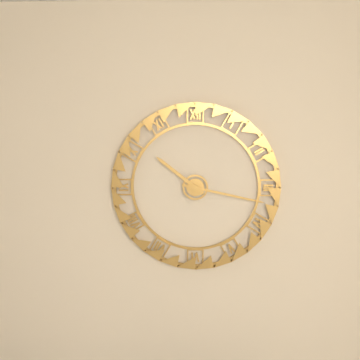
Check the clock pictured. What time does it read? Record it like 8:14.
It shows 10:17
